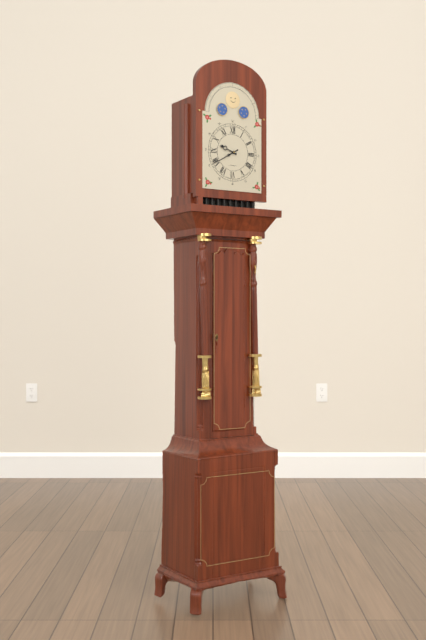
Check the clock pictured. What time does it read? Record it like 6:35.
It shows 9:40
